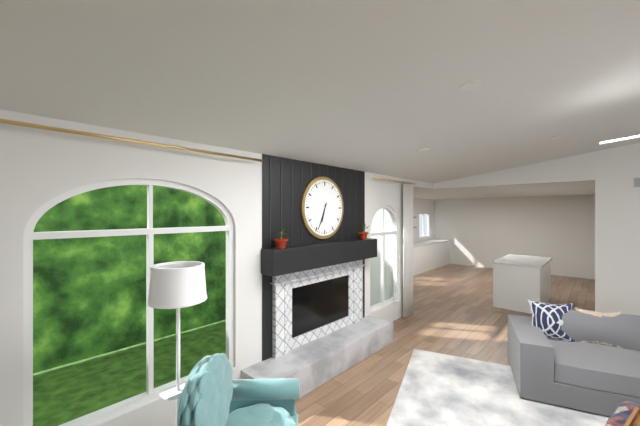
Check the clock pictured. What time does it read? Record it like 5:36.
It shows 6:34
